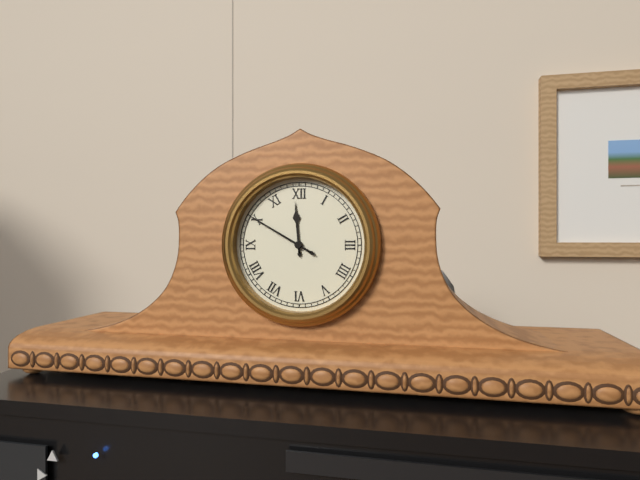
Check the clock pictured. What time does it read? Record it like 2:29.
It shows 11:50
